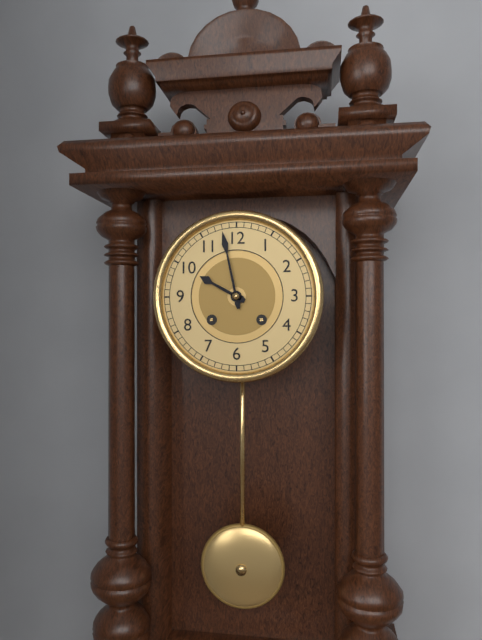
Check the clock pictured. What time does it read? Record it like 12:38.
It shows 9:58
